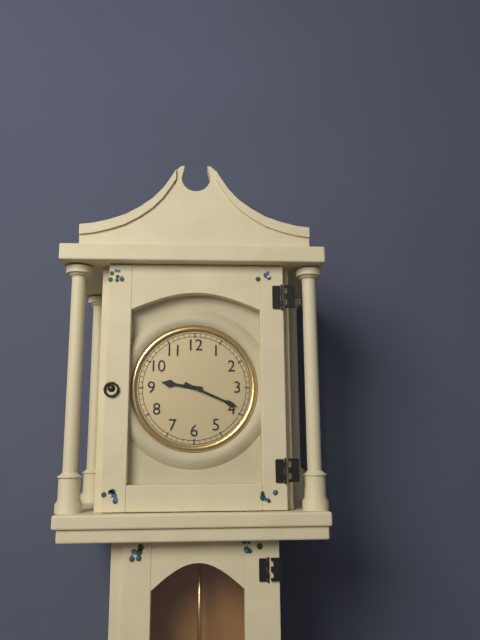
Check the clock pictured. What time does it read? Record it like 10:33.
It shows 9:19
